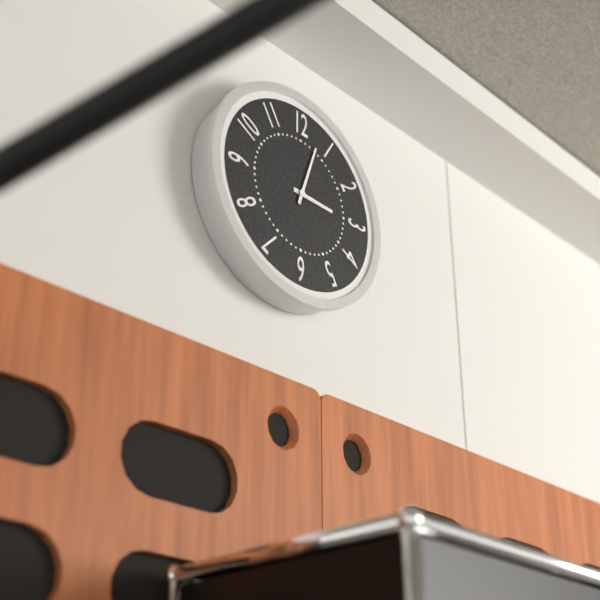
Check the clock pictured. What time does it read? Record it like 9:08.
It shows 3:03
